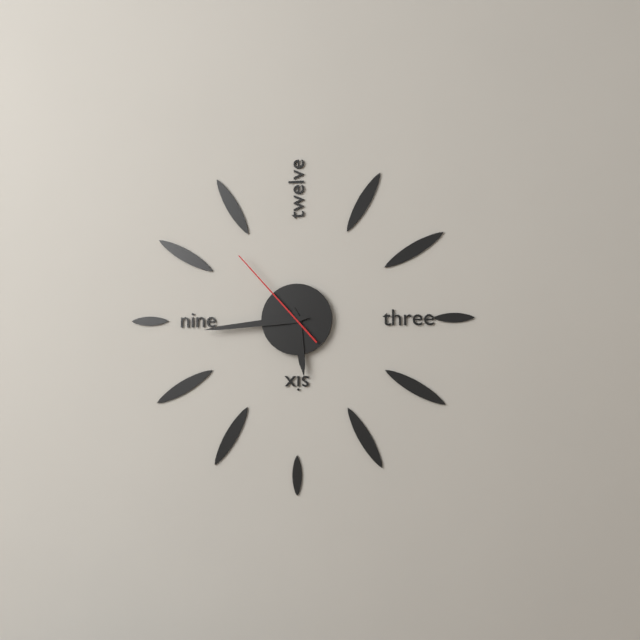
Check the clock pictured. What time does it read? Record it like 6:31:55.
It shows 5:44:53
